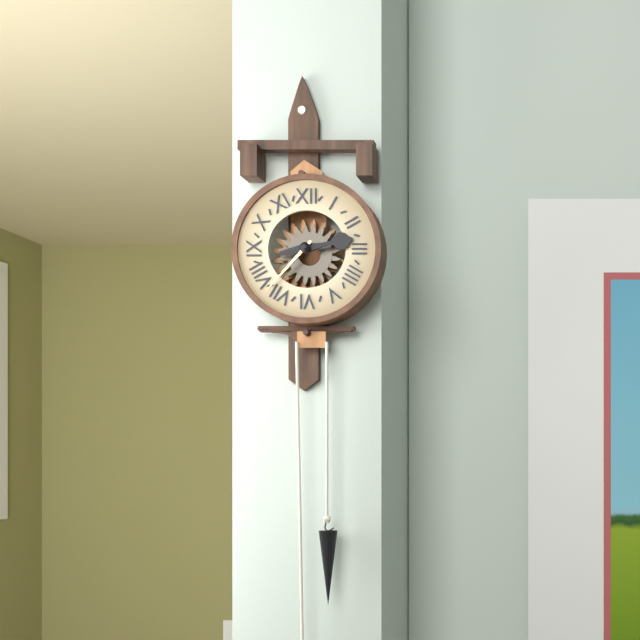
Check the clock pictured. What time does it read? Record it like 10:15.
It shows 2:37
